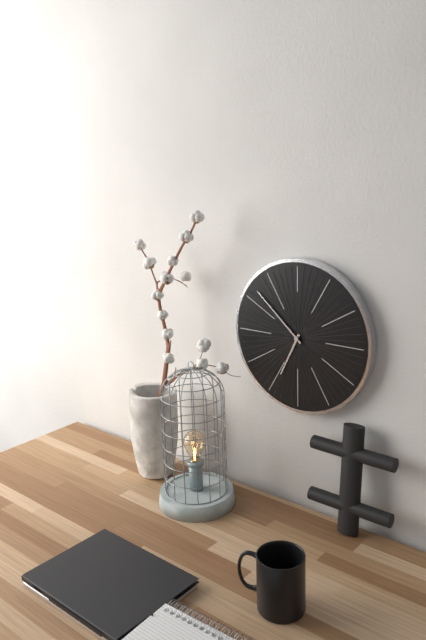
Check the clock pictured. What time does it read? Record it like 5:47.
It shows 6:52
